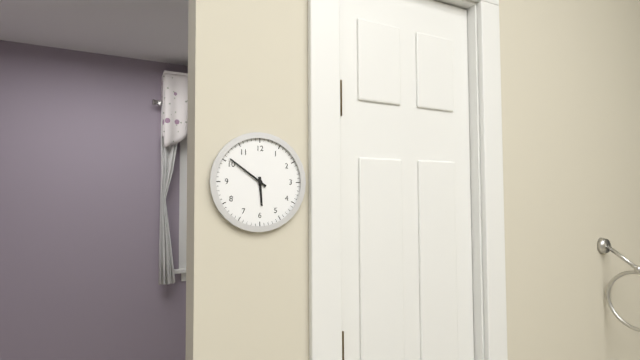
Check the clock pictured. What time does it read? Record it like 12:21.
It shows 5:51
